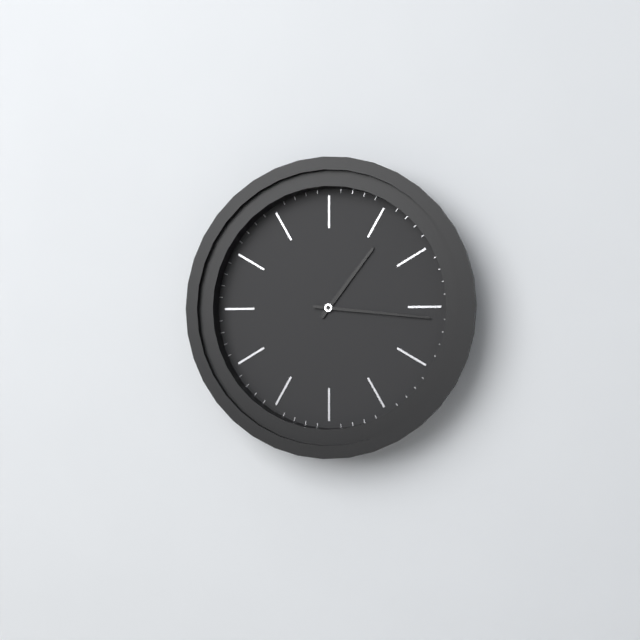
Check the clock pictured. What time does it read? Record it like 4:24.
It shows 1:16
